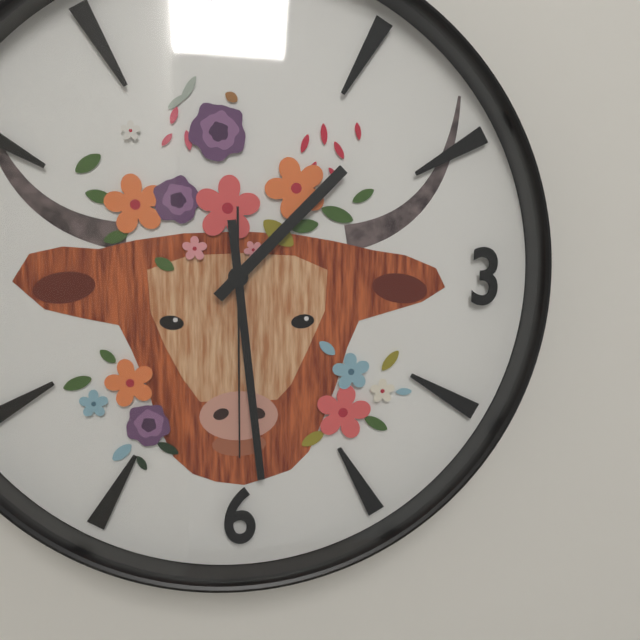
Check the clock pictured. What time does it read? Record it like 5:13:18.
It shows 1:29:30
